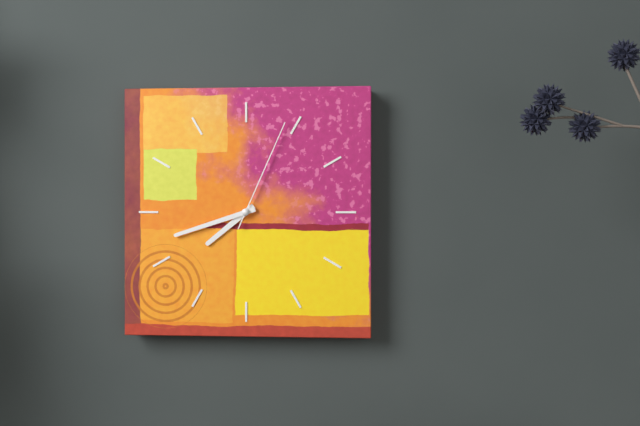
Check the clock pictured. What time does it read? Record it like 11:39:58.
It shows 7:42:04
